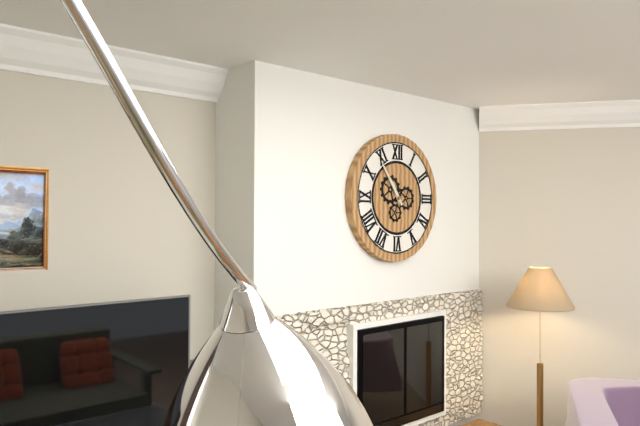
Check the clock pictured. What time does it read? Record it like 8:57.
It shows 10:54
